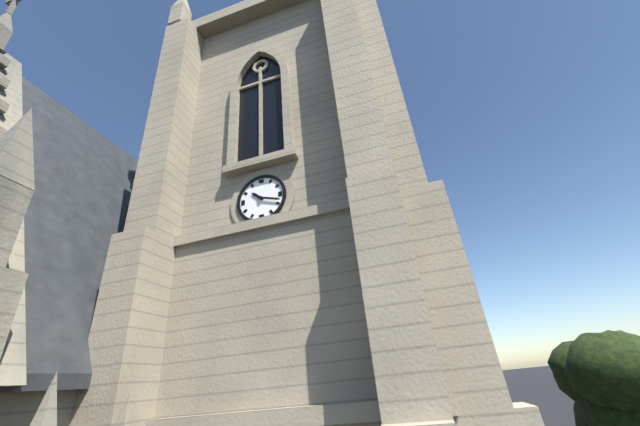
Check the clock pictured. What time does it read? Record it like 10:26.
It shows 10:18
